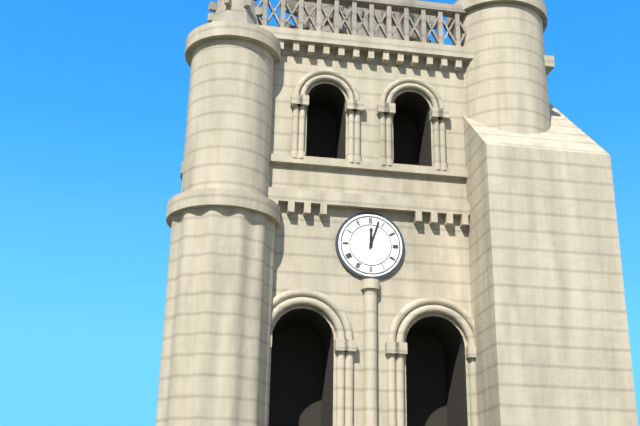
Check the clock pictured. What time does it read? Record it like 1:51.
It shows 12:03
